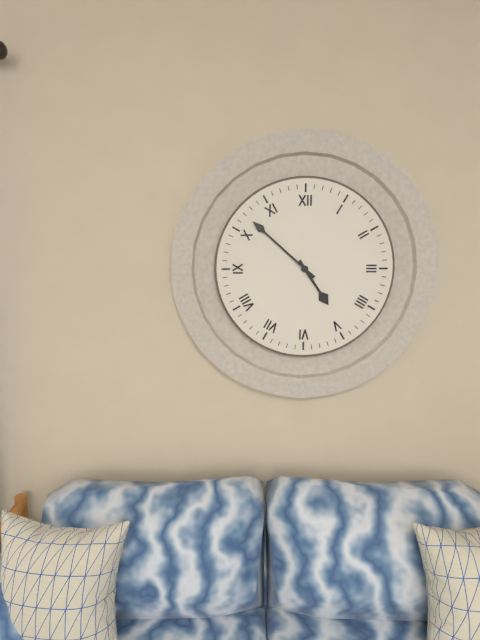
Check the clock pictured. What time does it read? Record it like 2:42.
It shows 4:52
